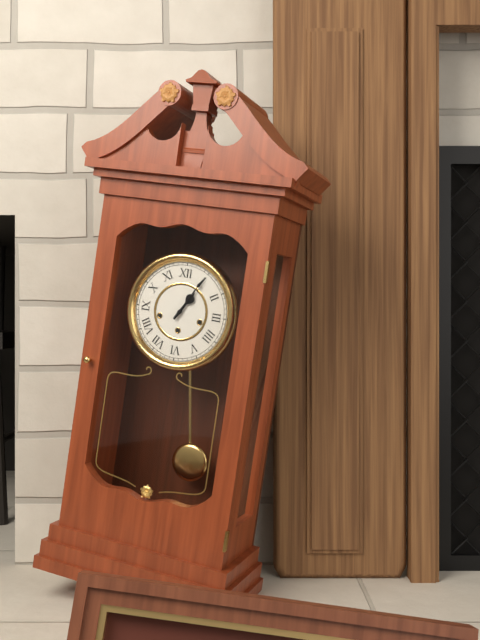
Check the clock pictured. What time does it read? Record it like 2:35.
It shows 1:05
